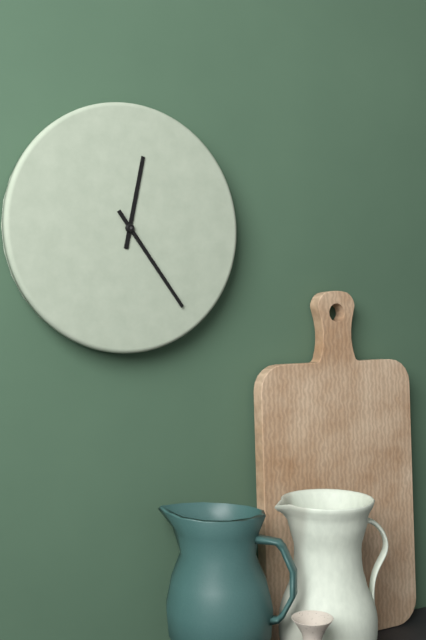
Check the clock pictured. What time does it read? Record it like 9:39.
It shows 12:24
